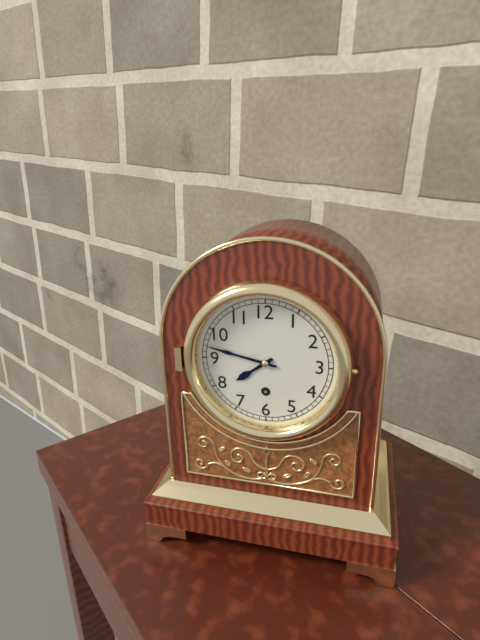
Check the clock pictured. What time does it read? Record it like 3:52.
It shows 7:47
